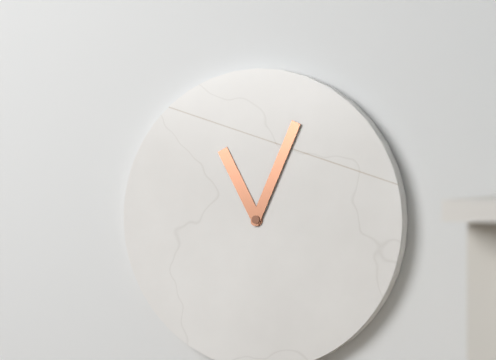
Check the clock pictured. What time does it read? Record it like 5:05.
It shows 11:04
